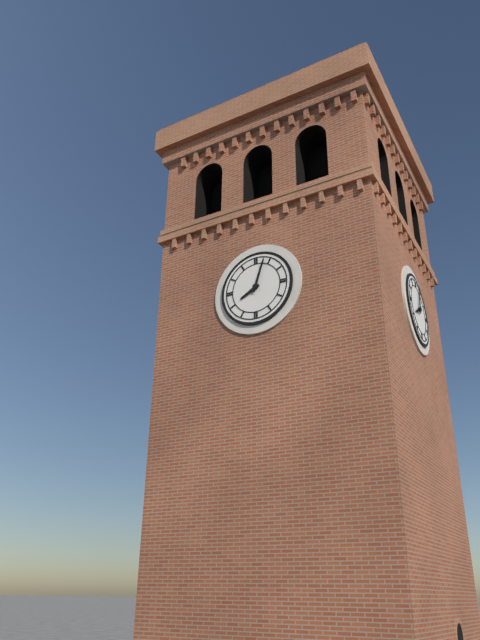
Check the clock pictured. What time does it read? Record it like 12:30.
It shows 8:03
